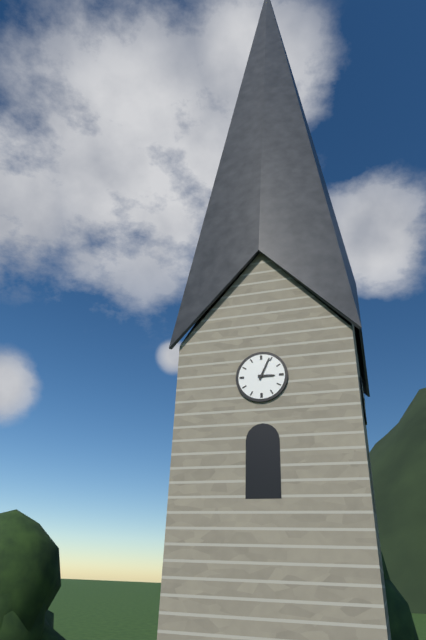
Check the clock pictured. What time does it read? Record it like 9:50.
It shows 3:04
